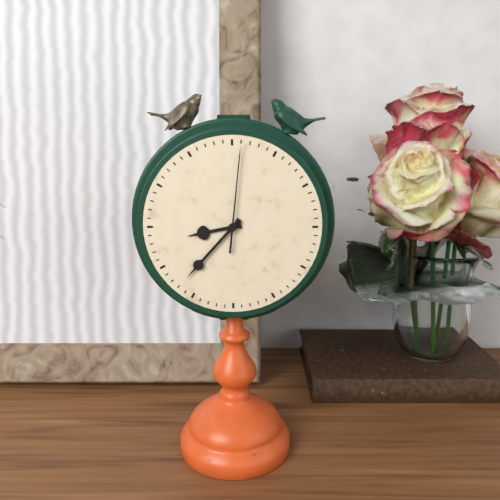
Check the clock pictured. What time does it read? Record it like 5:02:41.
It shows 8:37:01
